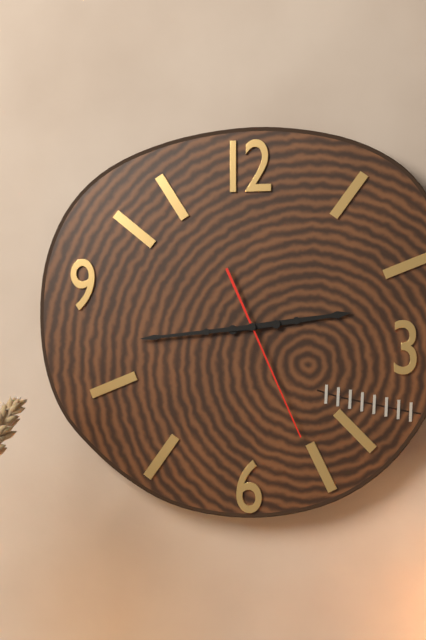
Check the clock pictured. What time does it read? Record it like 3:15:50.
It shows 2:44:26
